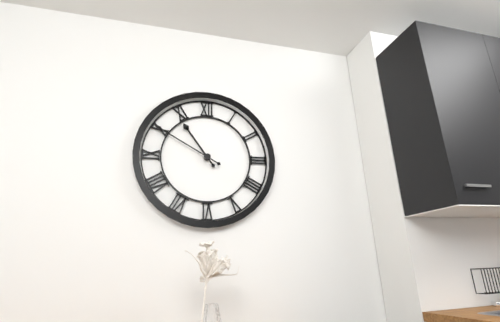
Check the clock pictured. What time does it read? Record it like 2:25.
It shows 10:50
